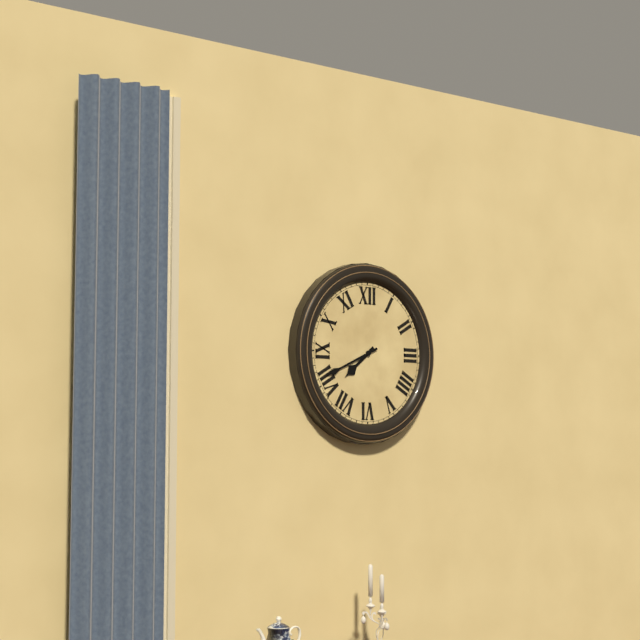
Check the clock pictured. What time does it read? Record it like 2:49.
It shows 7:41
